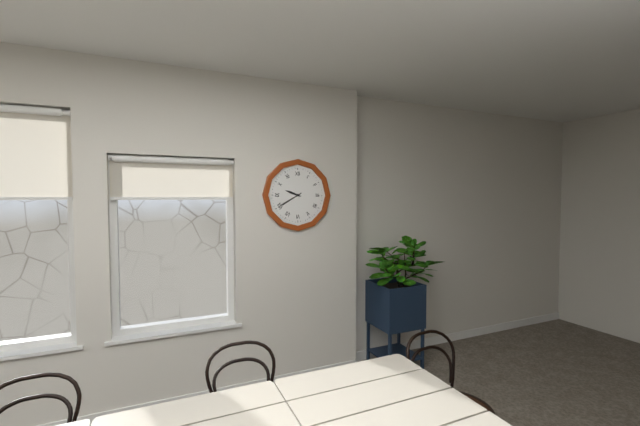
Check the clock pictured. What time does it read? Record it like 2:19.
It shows 9:40
